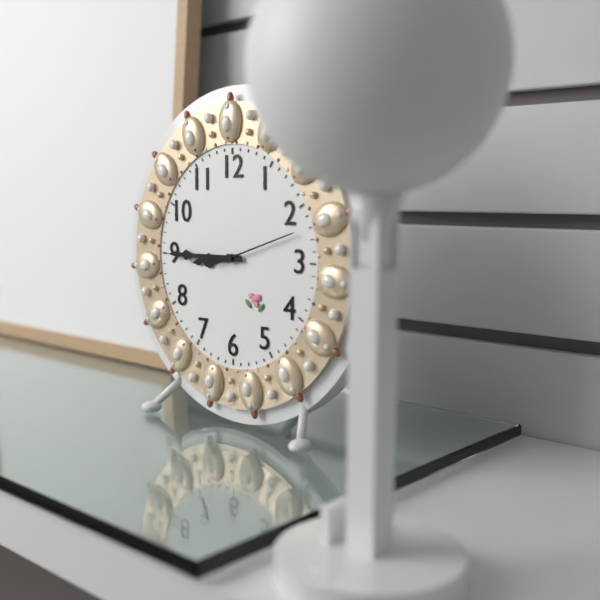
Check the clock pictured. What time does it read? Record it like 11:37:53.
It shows 8:45:12
